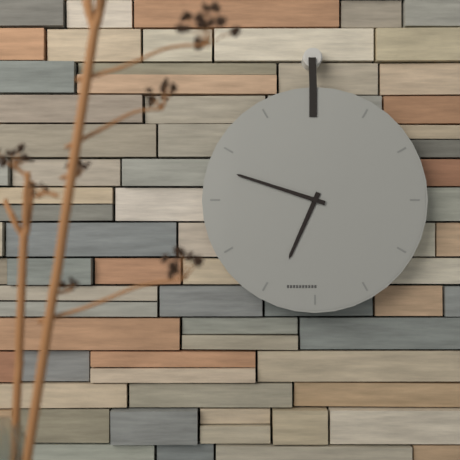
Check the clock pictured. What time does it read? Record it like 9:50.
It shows 6:48
